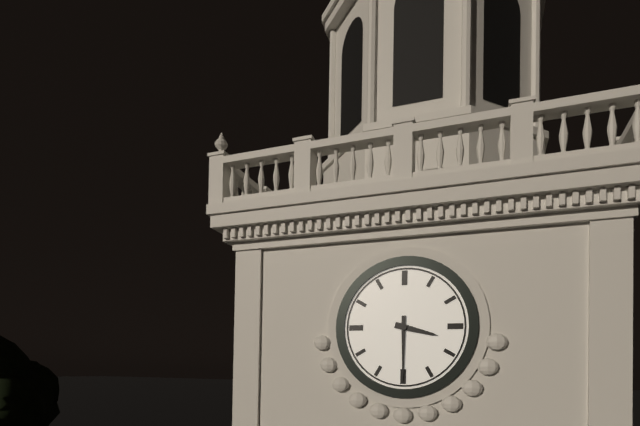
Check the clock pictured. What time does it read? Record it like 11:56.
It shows 3:30
